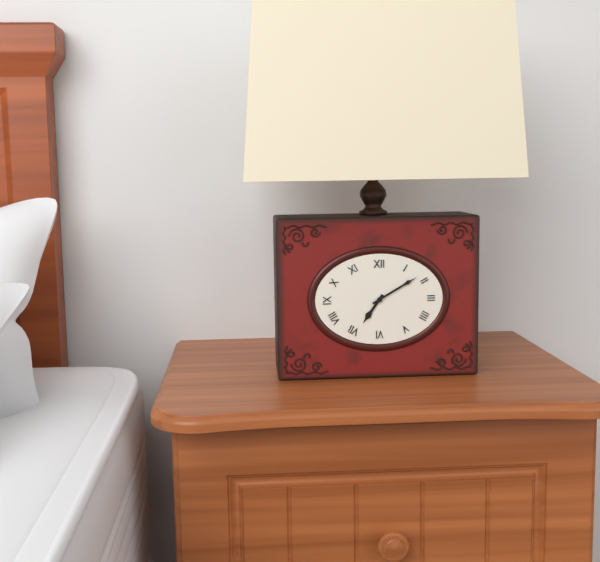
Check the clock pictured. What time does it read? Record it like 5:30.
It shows 7:10
